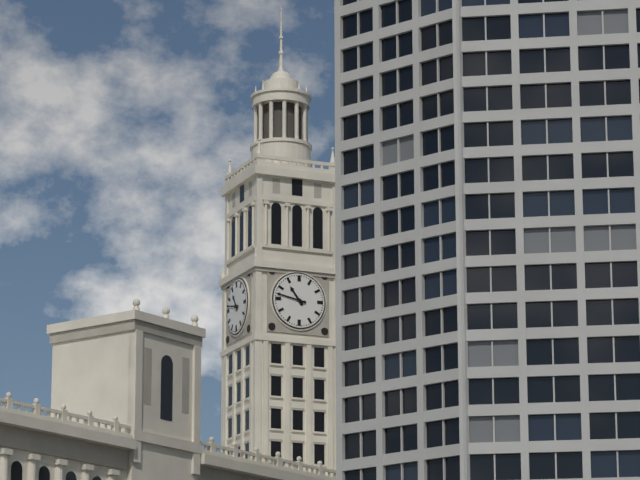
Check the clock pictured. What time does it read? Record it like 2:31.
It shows 10:47
